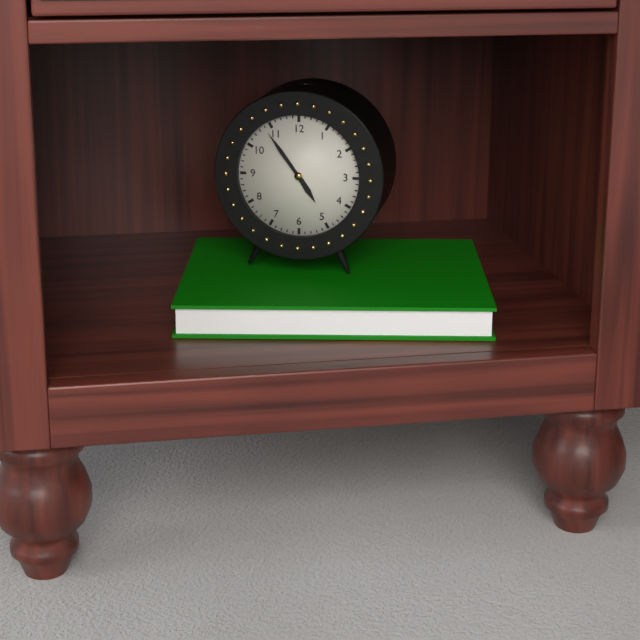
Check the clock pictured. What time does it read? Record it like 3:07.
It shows 4:54
